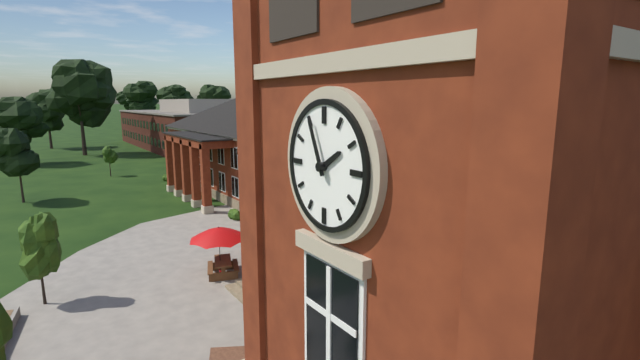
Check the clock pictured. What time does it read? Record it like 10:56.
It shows 1:56
